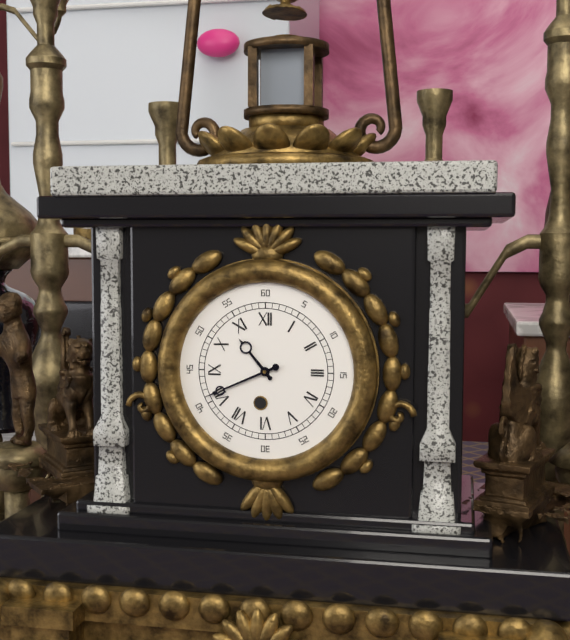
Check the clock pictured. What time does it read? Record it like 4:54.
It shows 10:41
